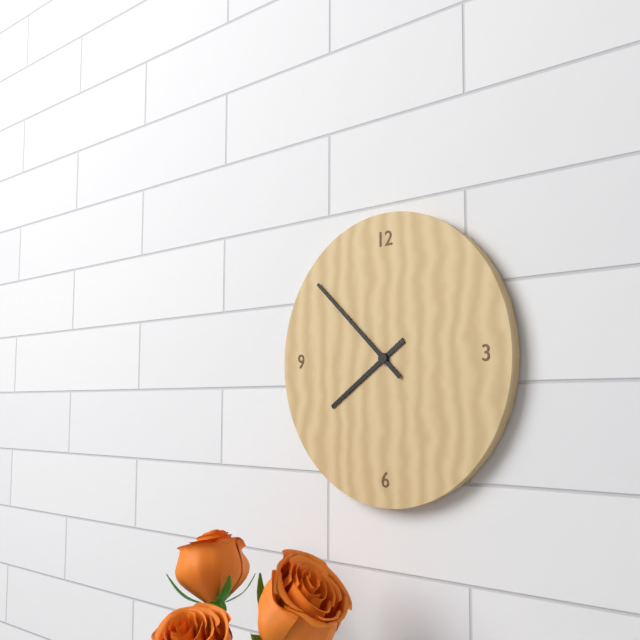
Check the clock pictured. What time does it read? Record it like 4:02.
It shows 7:52
